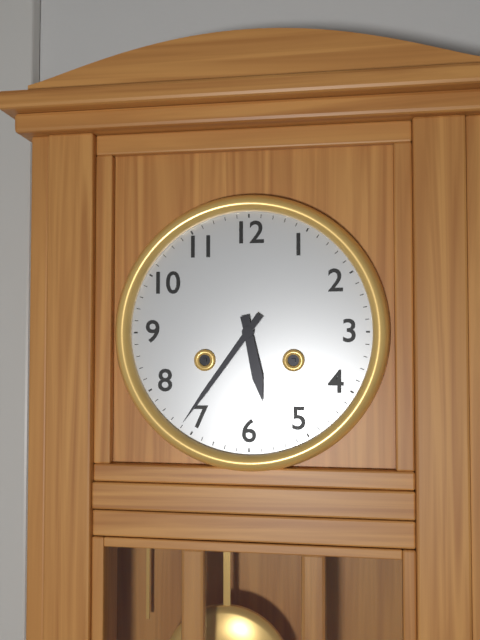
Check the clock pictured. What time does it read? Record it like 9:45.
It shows 5:36
